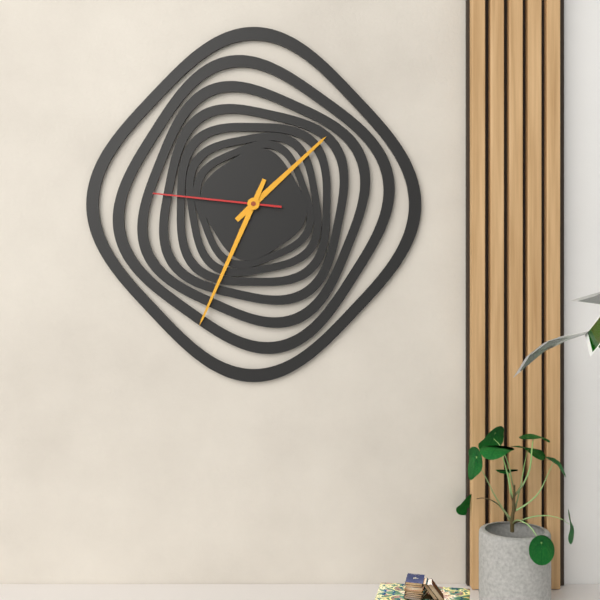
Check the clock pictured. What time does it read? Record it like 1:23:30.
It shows 1:34:46
